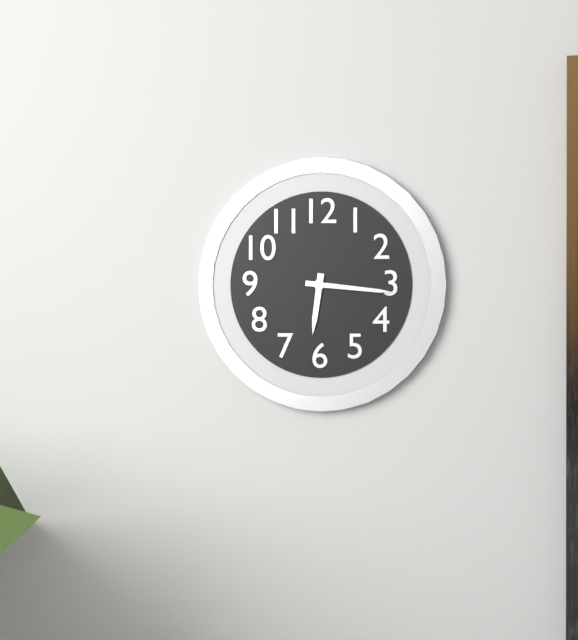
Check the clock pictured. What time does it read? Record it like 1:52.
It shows 6:16
